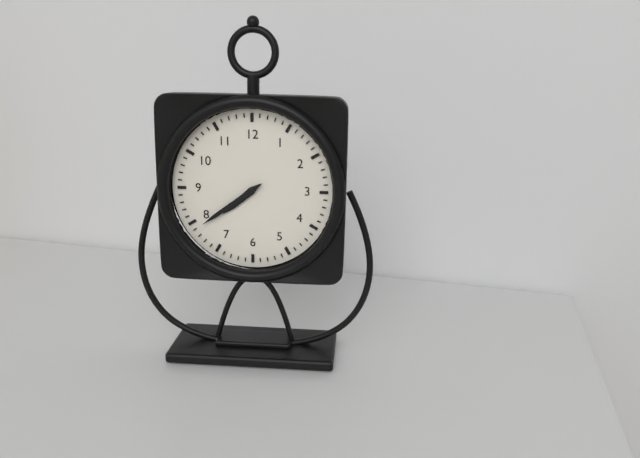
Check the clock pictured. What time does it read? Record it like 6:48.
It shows 7:39
